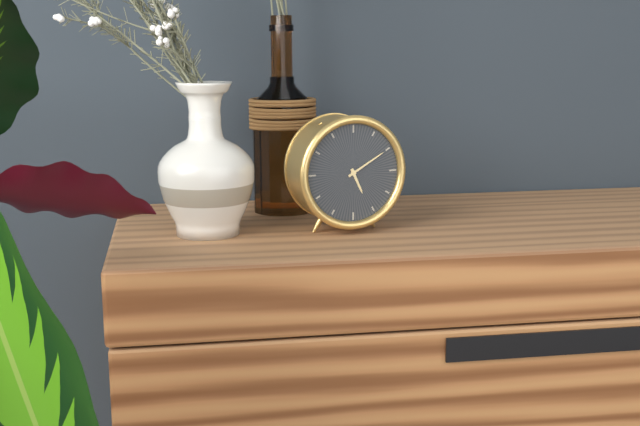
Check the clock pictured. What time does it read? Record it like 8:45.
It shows 5:10
